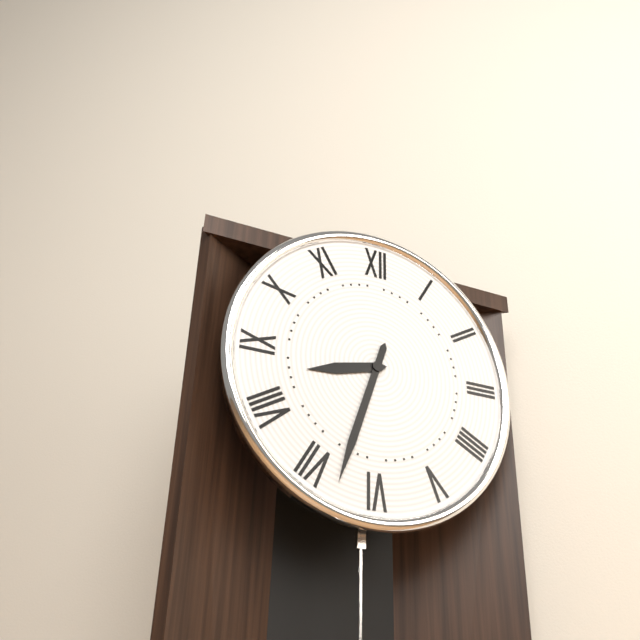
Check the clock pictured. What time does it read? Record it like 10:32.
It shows 8:33
